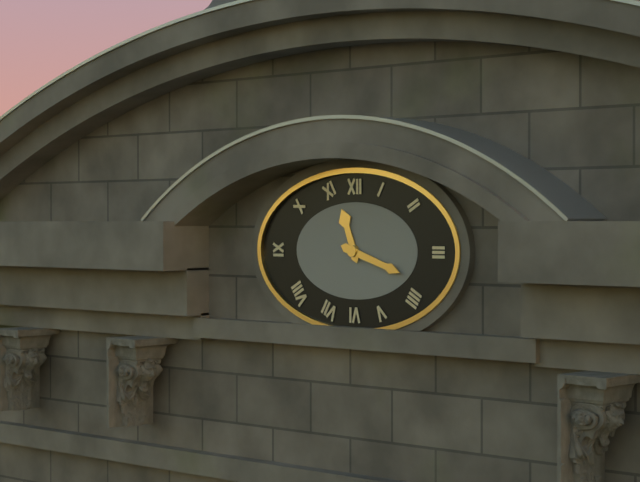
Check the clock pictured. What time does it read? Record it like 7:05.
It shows 11:18
